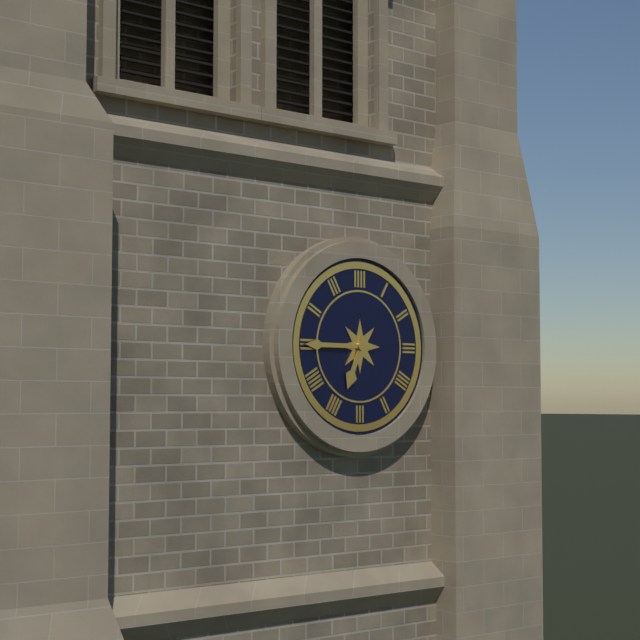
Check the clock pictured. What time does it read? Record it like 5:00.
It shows 6:45
